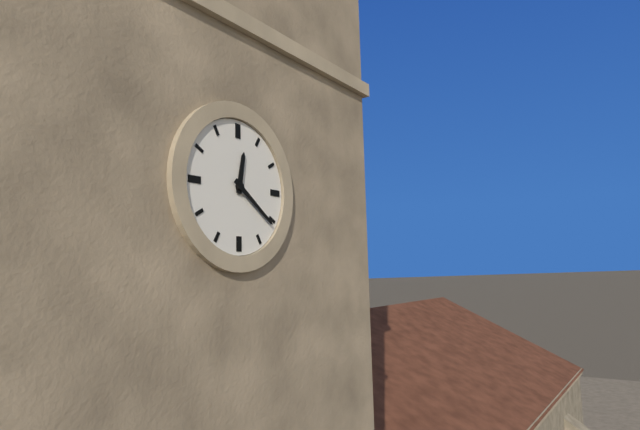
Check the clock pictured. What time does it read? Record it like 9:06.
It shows 12:21
